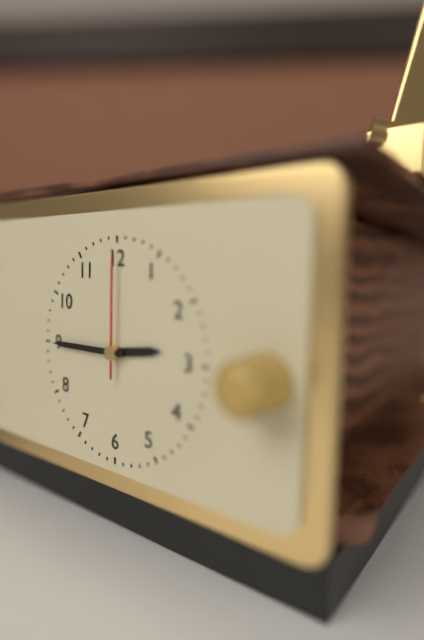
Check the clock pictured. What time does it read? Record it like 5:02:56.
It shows 2:45:00
